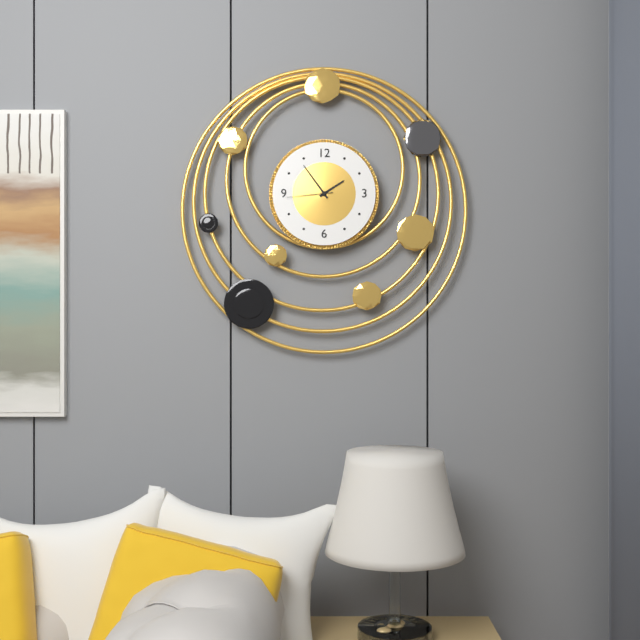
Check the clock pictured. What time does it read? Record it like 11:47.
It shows 1:54
